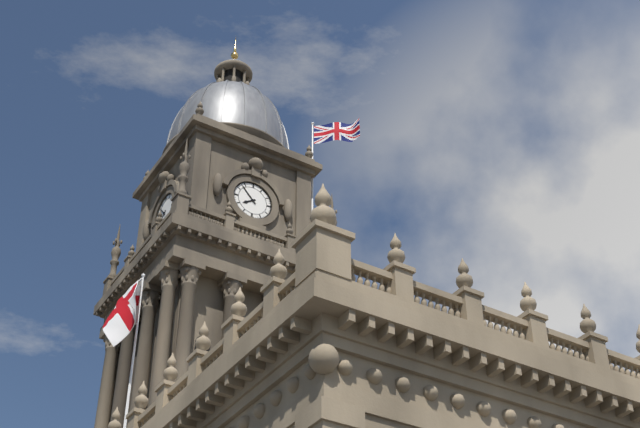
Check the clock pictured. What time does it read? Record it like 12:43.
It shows 7:53
